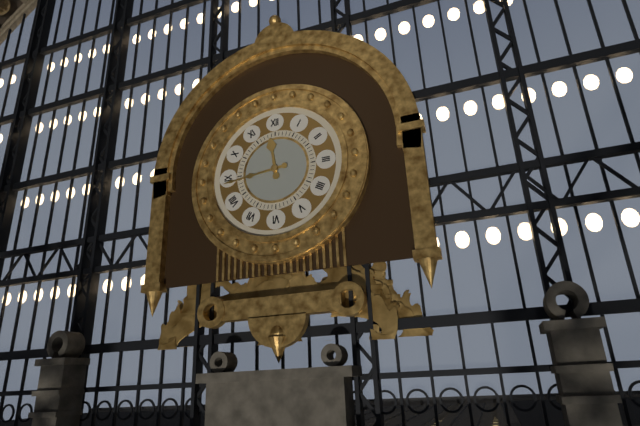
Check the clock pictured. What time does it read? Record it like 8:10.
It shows 11:44
